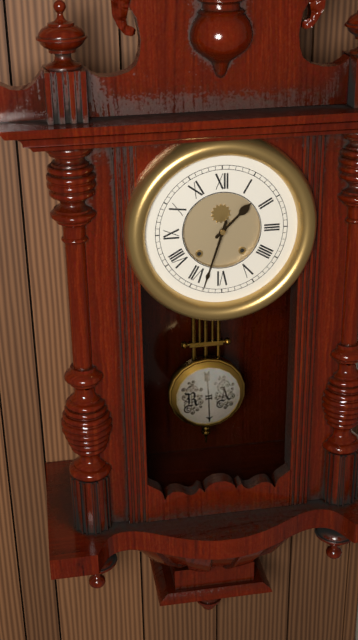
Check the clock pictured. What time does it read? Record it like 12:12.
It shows 1:33
